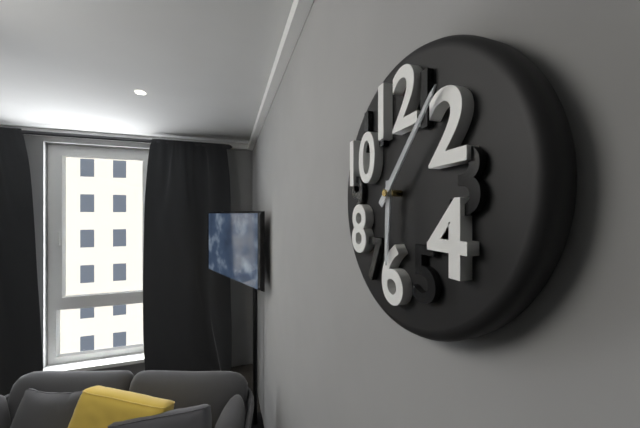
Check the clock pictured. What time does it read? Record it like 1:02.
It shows 6:07
